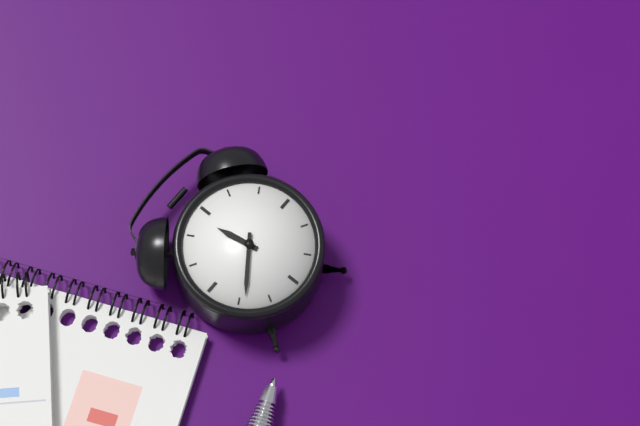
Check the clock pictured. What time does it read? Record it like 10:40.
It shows 11:39
